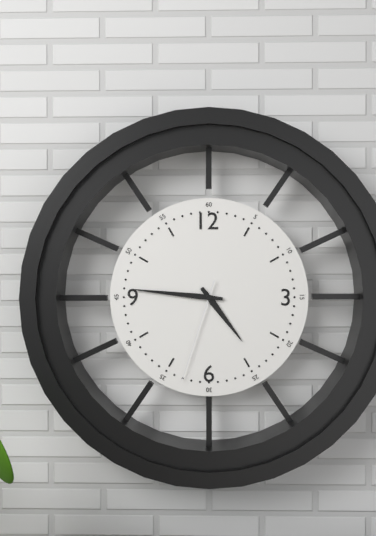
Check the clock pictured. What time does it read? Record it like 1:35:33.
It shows 4:46:33
